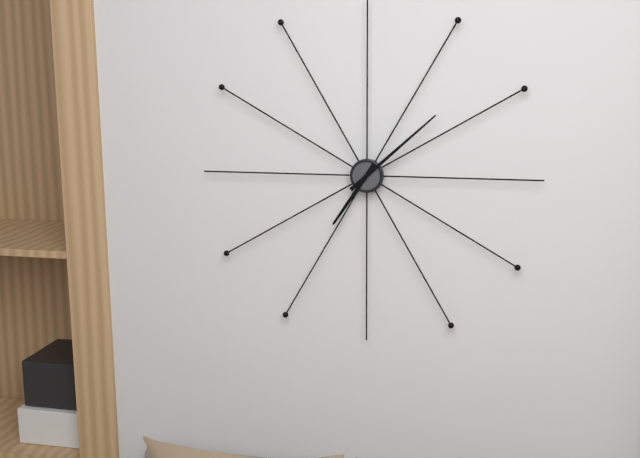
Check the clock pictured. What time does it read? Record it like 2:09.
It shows 7:08
